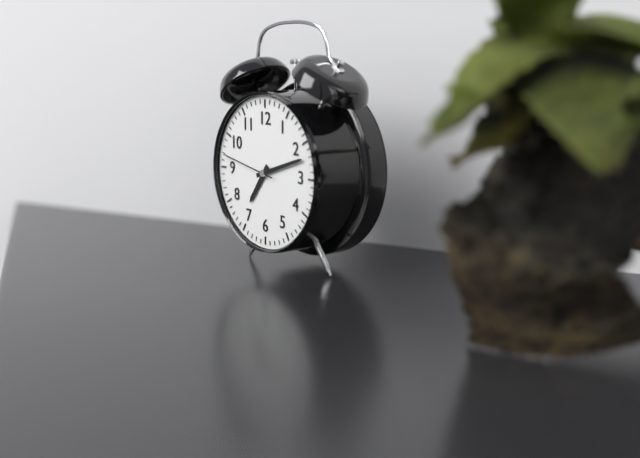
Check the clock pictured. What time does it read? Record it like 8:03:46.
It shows 7:12:47
